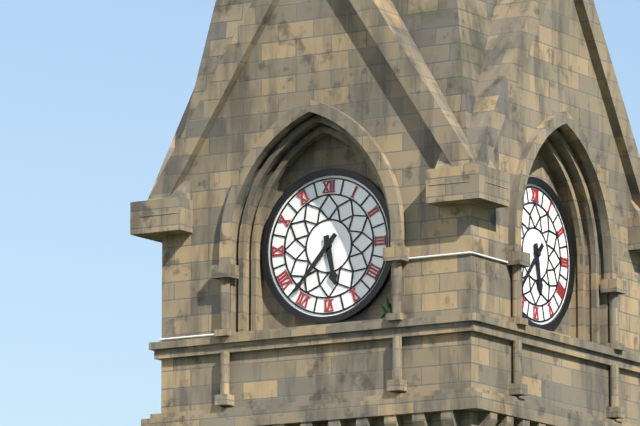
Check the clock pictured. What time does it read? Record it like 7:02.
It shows 5:37
